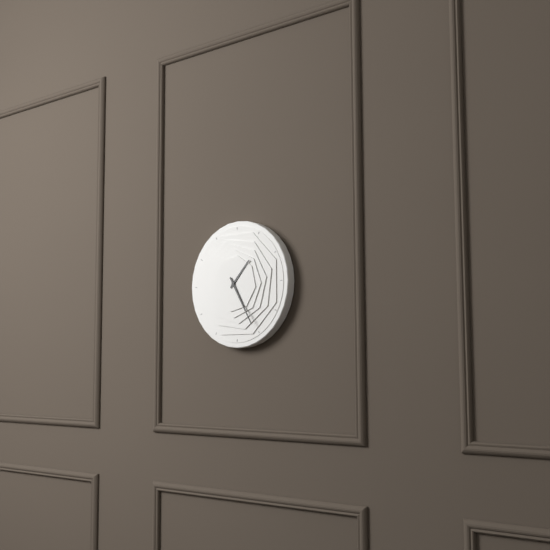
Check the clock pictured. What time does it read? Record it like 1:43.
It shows 1:25
